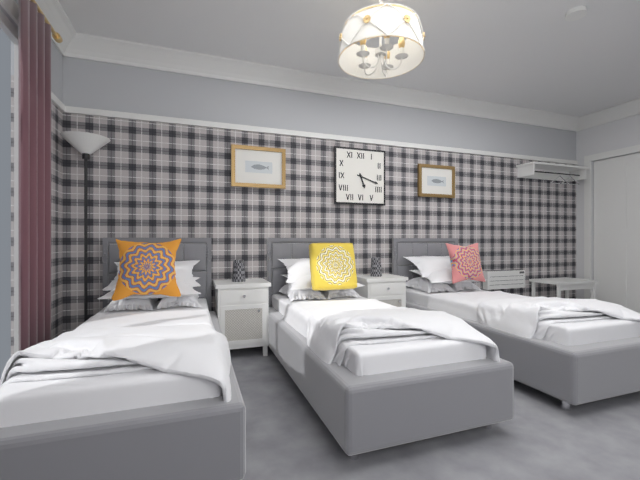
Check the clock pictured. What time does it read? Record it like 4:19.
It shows 5:18
